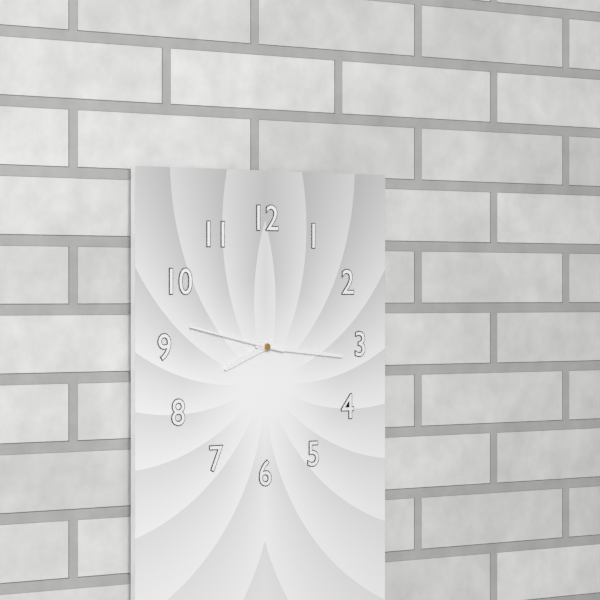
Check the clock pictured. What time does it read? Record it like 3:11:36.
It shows 8:16:47
